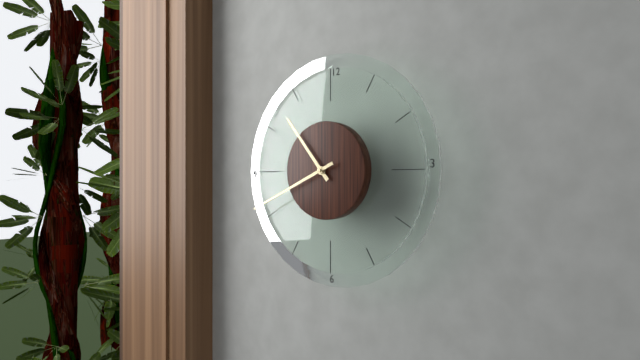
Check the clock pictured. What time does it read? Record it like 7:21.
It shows 10:41
